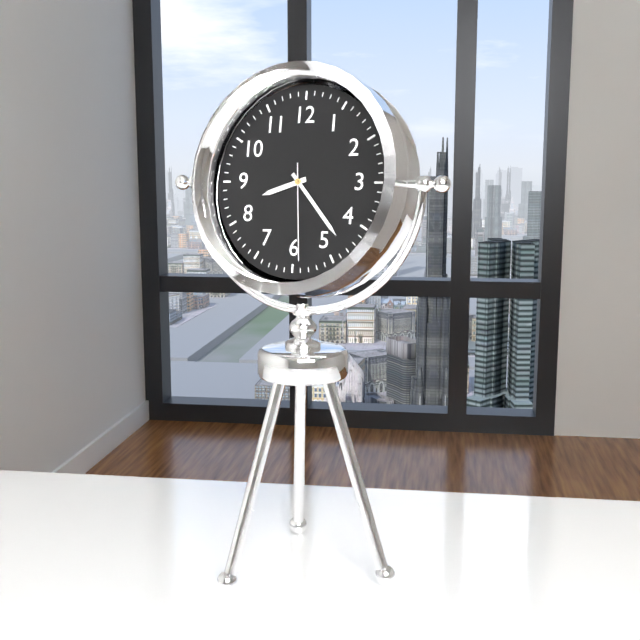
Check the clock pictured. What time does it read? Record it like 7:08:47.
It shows 8:23:29
